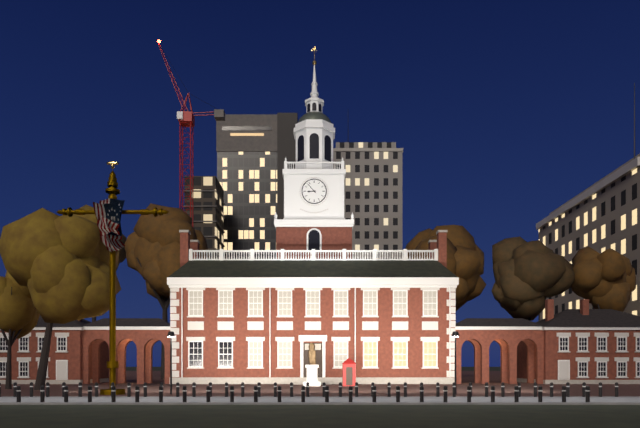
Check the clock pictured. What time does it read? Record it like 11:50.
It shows 8:53
